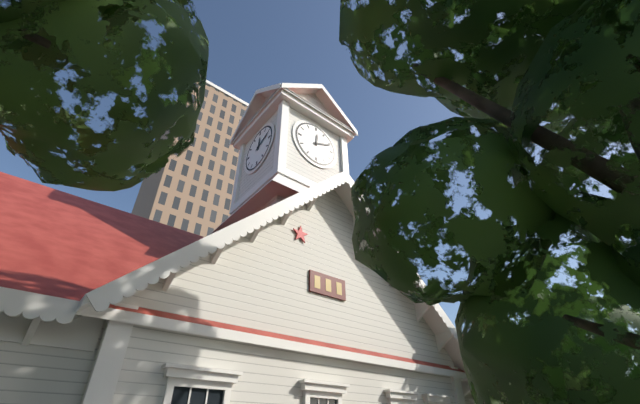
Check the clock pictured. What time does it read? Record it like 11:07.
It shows 12:11
